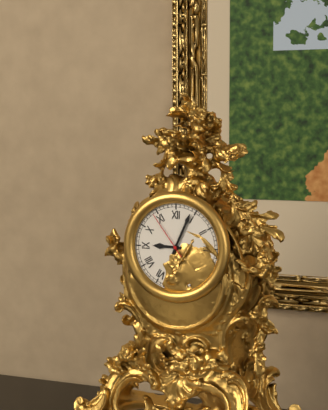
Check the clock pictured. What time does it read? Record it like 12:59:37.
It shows 9:04:54
